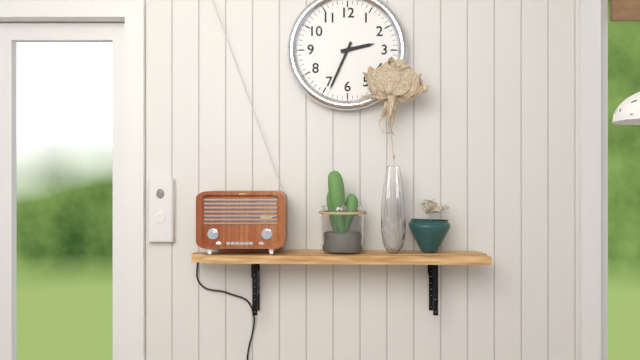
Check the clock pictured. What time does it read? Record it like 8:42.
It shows 2:34
